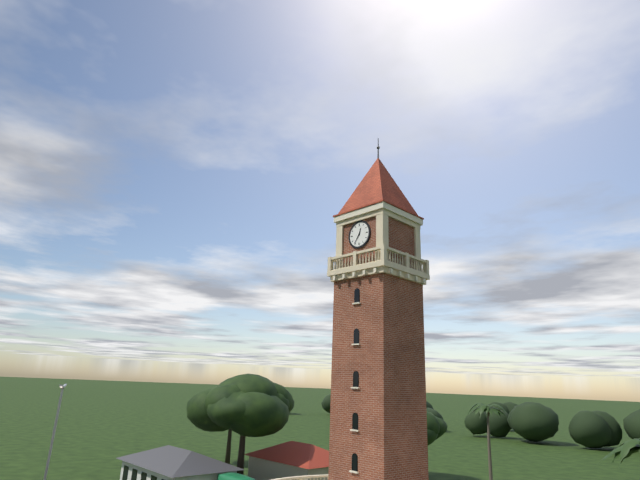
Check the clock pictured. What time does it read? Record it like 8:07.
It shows 12:36
